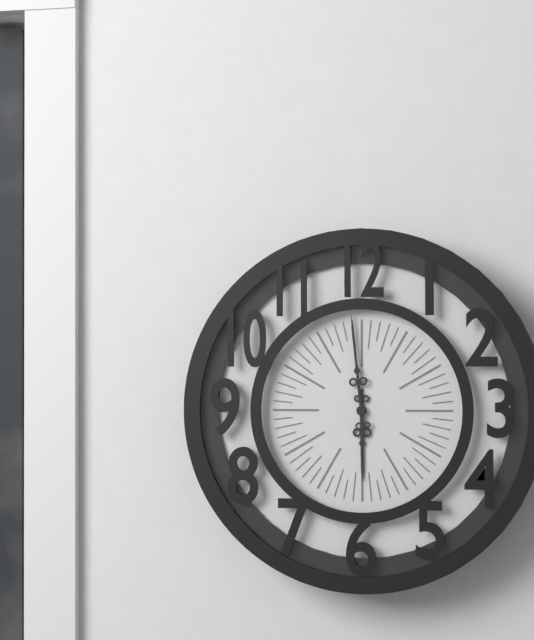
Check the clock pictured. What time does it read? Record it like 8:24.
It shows 5:59
